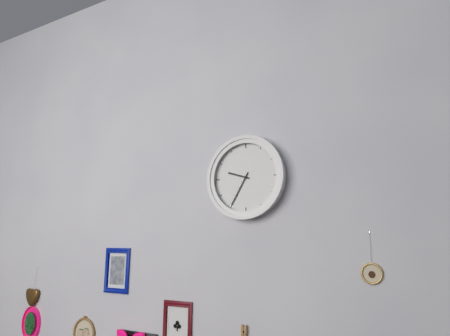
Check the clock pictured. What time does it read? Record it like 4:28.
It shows 9:35
